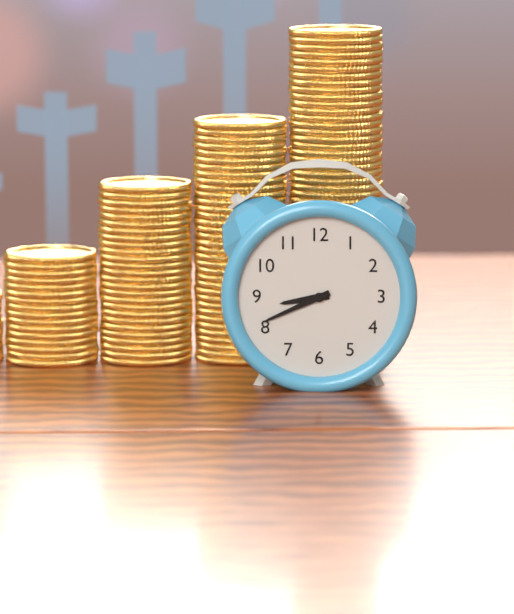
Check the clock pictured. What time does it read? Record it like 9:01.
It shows 8:41
